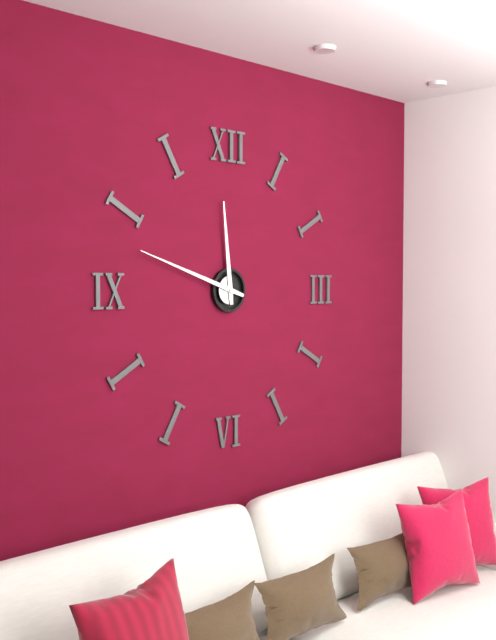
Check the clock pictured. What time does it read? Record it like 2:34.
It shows 11:48
